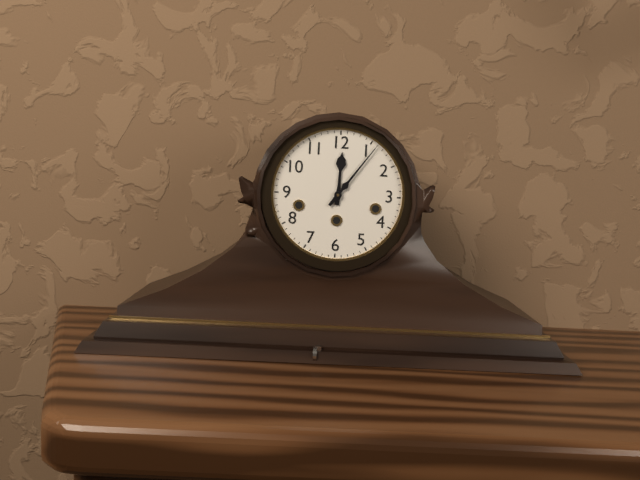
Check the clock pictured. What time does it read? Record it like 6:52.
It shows 12:06
